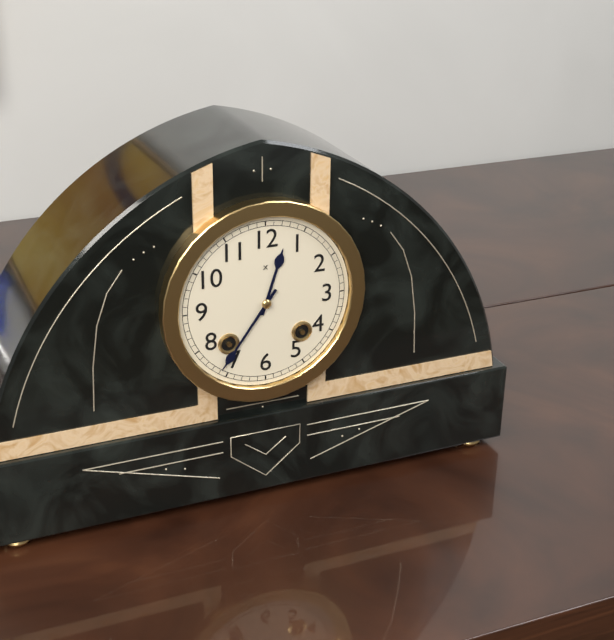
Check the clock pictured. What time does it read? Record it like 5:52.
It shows 12:36
